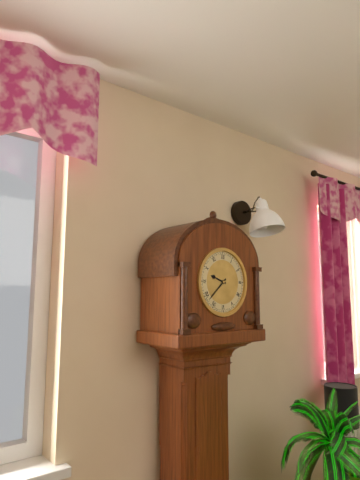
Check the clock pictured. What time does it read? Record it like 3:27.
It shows 9:38
